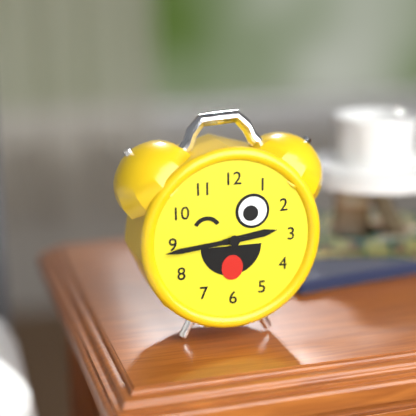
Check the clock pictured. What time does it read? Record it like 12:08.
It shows 2:44
